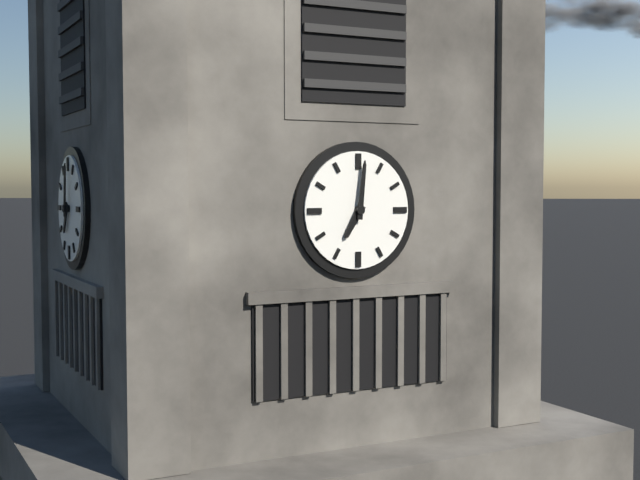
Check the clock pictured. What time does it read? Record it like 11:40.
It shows 7:01
